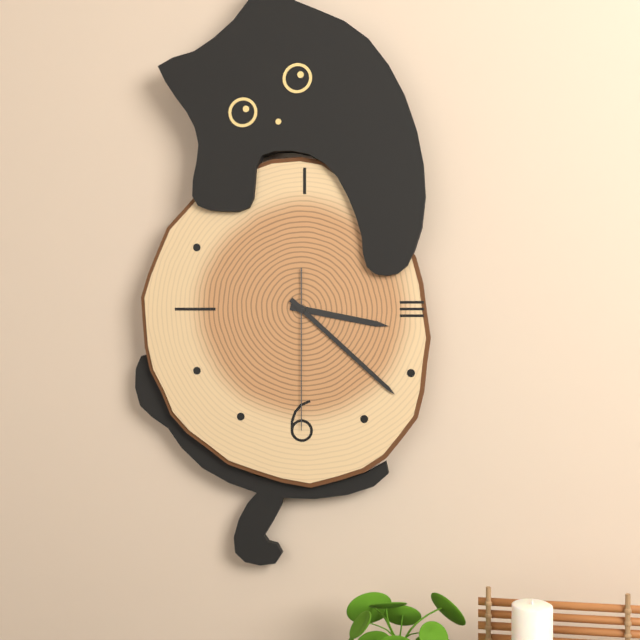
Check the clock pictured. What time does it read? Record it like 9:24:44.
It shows 3:22:30
